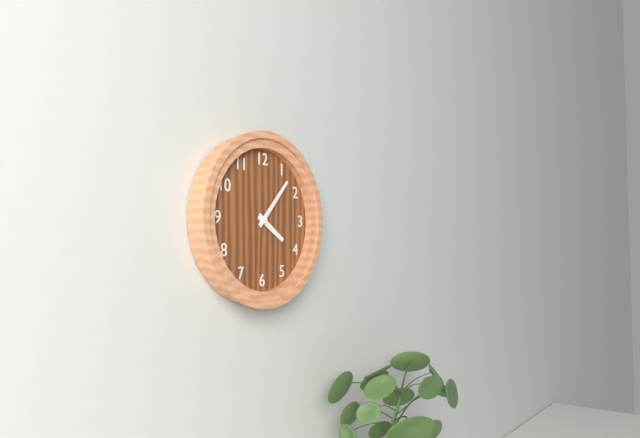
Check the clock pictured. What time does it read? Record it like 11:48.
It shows 4:07
